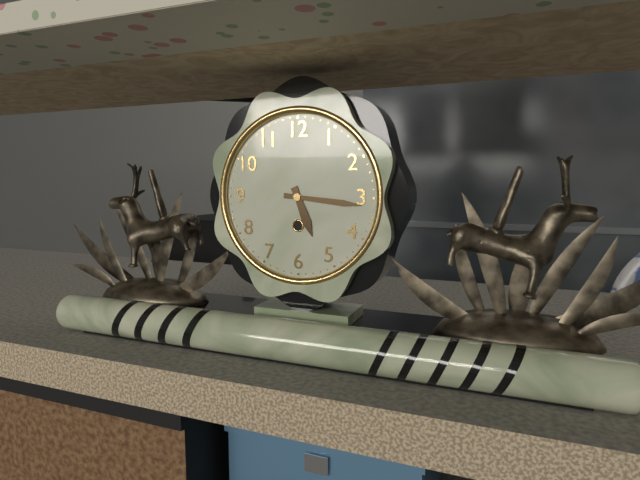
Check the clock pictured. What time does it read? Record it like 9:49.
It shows 5:16
